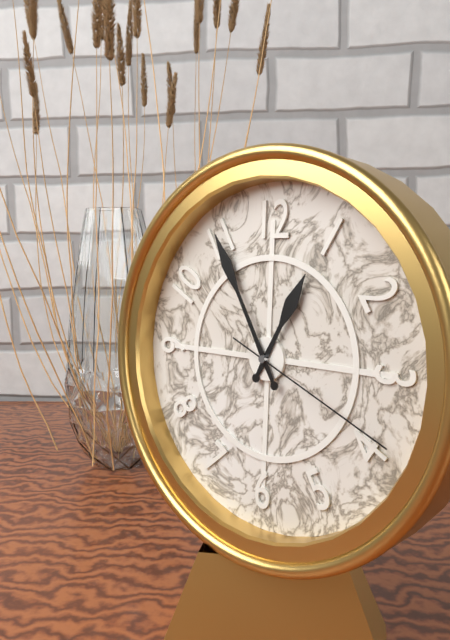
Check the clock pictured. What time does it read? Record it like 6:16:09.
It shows 12:55:19
